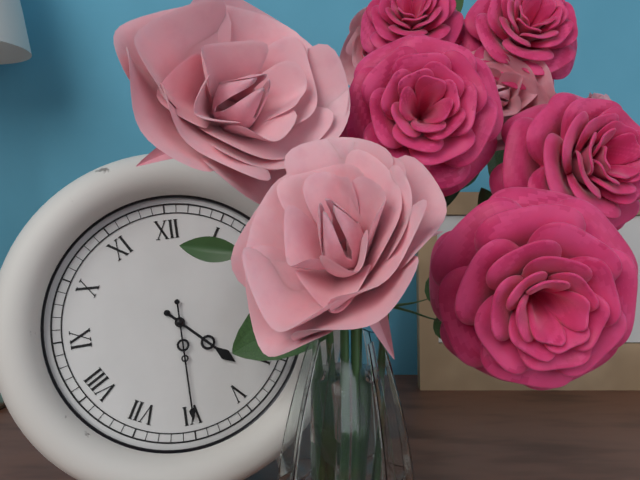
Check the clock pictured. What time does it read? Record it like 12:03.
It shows 4:30
